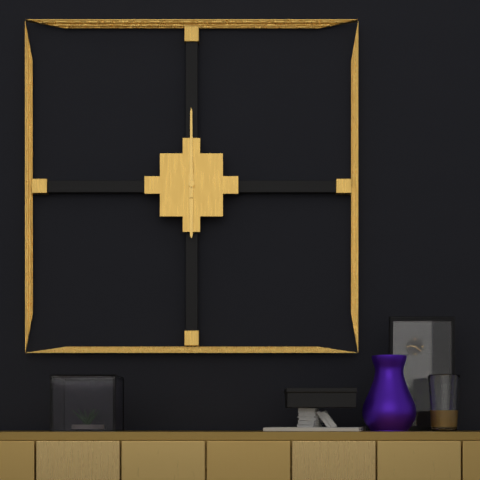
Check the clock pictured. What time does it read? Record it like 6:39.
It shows 6:00
